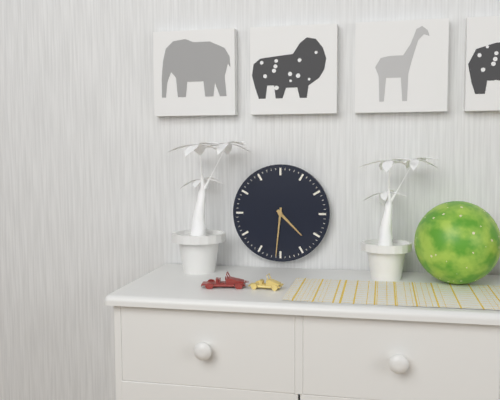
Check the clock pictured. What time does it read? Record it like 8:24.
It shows 4:31
